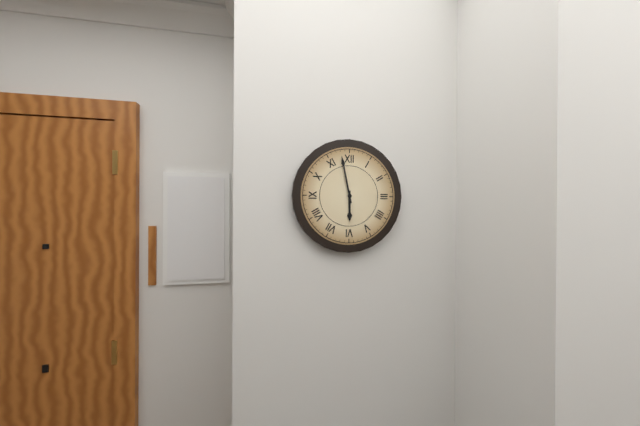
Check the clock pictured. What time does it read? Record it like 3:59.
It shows 5:58
